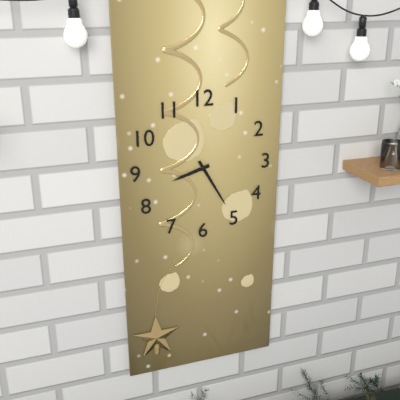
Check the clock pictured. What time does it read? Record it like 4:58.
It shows 8:25
